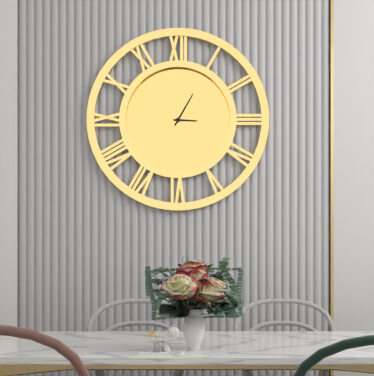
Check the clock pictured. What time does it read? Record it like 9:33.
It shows 3:05
